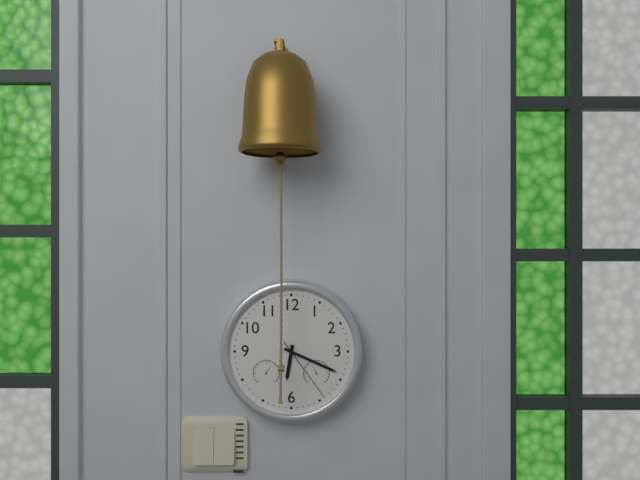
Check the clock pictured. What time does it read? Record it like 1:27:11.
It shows 6:19:24
